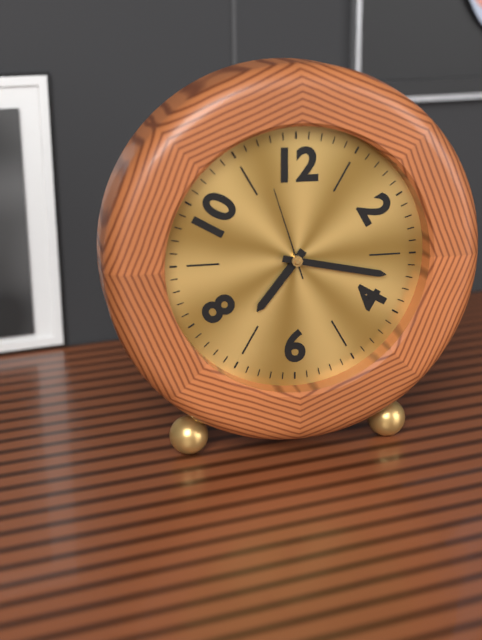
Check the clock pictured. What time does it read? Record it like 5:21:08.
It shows 7:17:57
